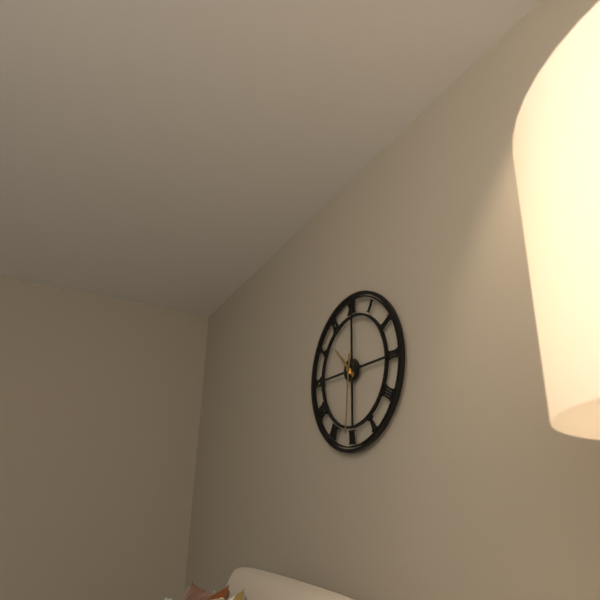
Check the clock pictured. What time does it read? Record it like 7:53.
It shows 10:31
